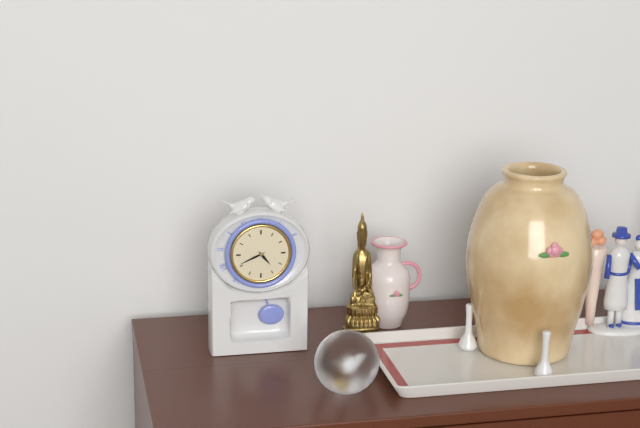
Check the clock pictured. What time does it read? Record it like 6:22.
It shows 4:41
